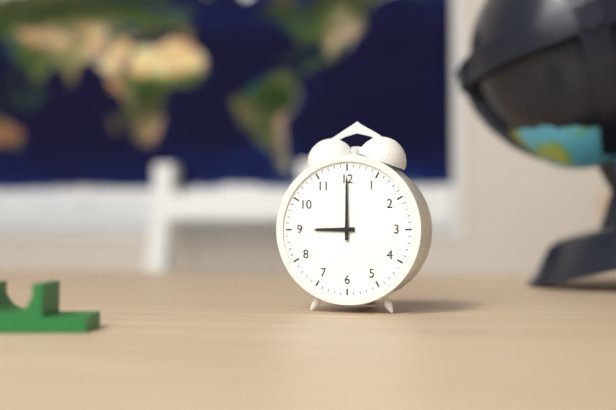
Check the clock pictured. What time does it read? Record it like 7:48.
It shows 9:00
